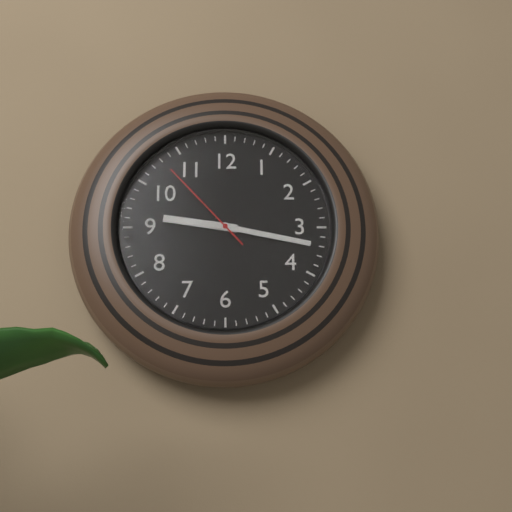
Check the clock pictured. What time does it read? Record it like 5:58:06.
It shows 9:17:53
